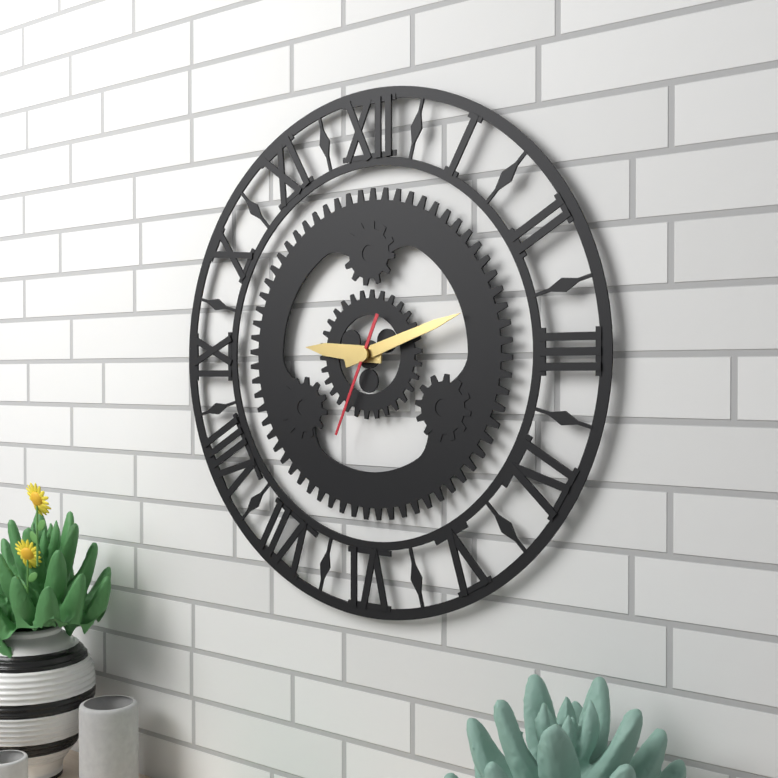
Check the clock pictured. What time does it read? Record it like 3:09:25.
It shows 9:12:34
